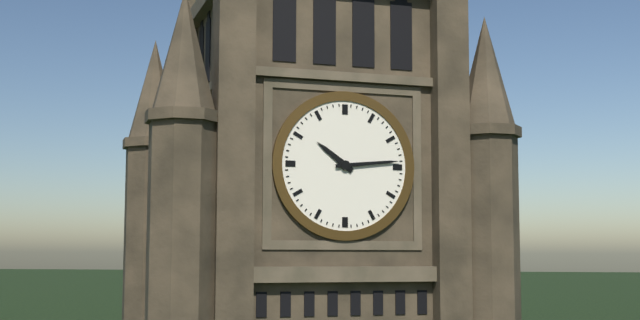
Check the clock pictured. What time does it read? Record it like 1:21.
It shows 10:14
